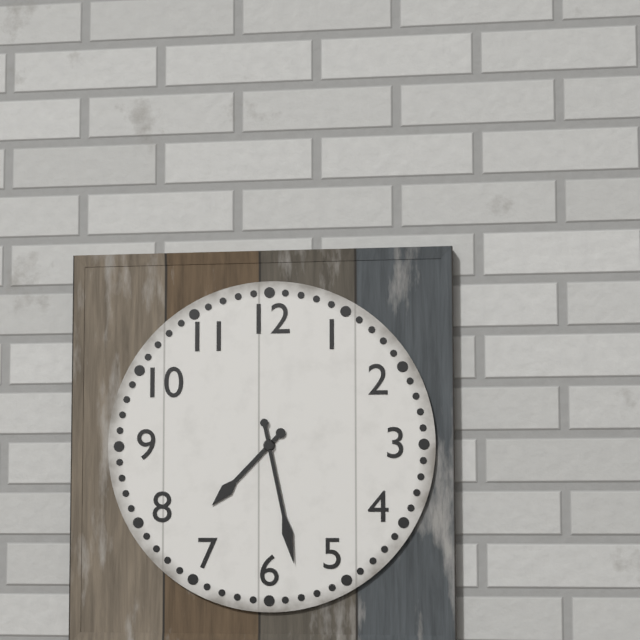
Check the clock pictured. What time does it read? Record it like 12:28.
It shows 7:28
